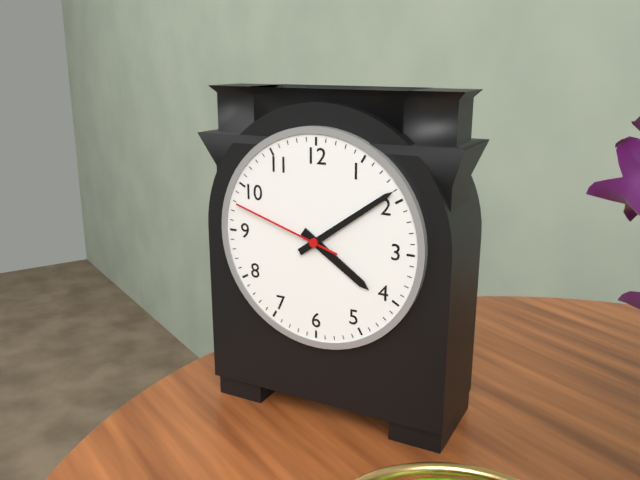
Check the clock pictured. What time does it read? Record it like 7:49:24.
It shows 4:09:48
